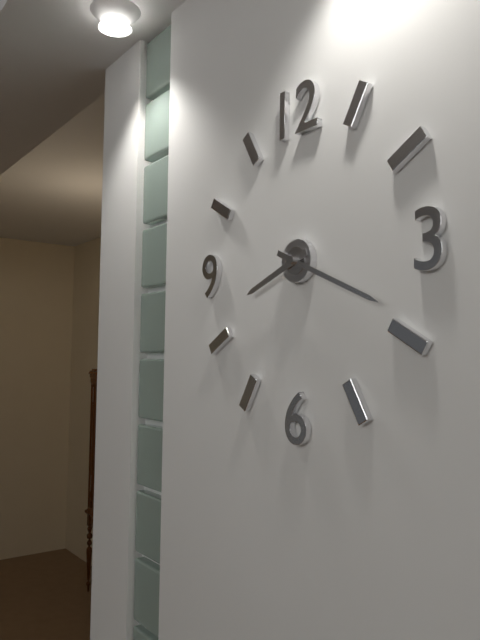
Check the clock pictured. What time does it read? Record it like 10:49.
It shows 8:19
